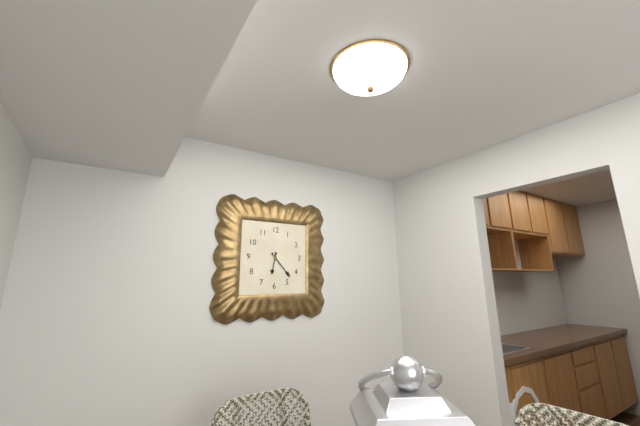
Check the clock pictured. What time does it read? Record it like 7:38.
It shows 6:23
